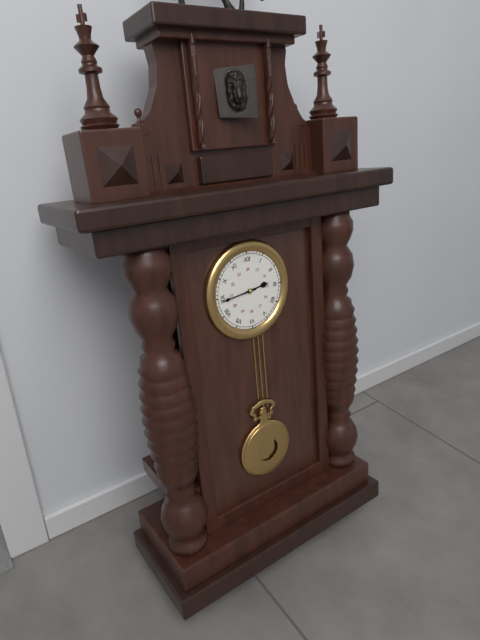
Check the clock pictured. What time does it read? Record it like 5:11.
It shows 2:44
